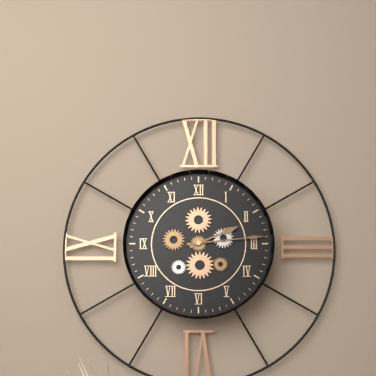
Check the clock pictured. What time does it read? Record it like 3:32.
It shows 2:14
